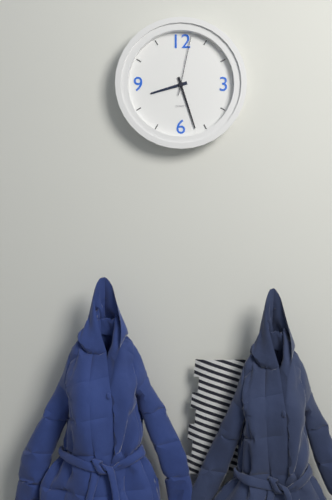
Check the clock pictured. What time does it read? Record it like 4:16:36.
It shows 8:27:02
